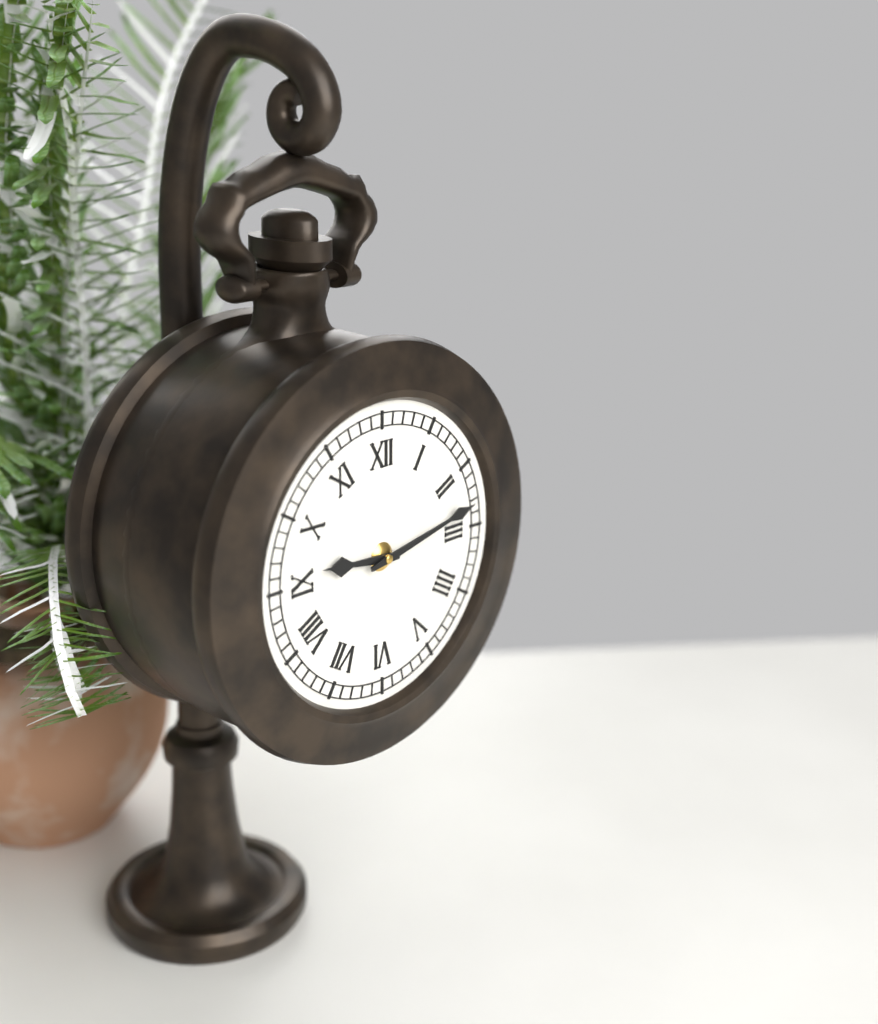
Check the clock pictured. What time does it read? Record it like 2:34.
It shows 9:13
